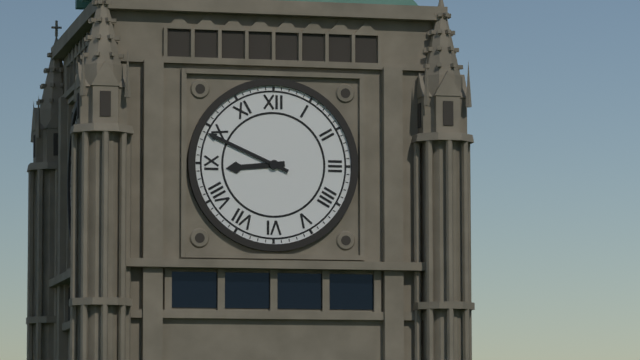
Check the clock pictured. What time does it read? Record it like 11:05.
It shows 8:49
